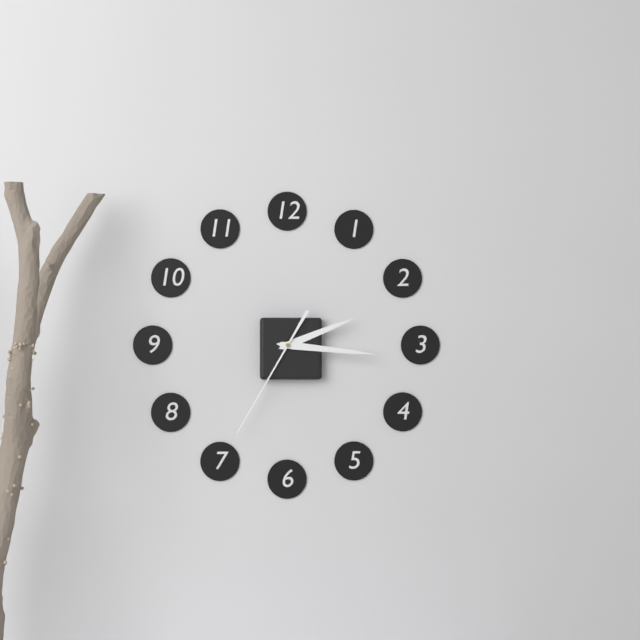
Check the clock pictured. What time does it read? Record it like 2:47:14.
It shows 2:16:35
